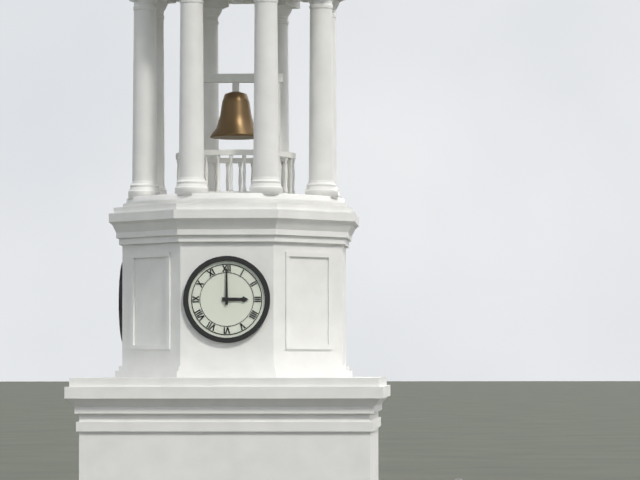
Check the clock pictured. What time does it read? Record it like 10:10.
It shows 3:00
